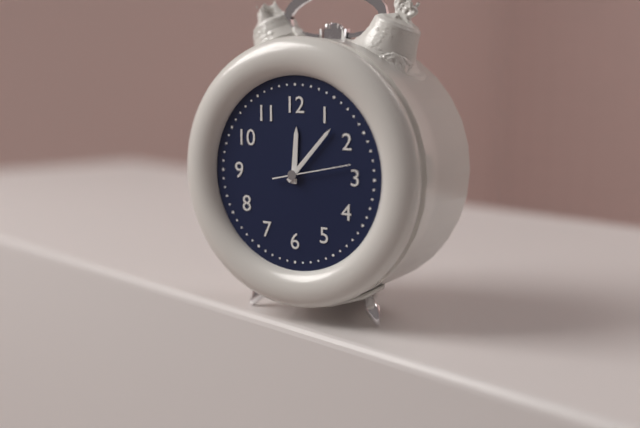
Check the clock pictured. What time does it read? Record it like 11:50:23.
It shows 12:07:13
